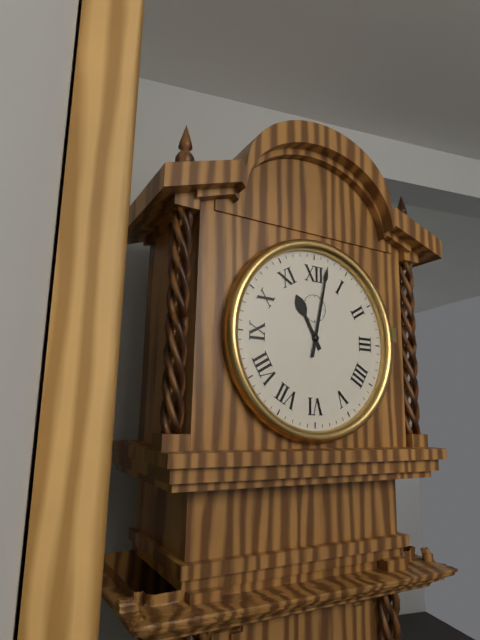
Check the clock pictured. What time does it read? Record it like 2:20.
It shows 11:02
